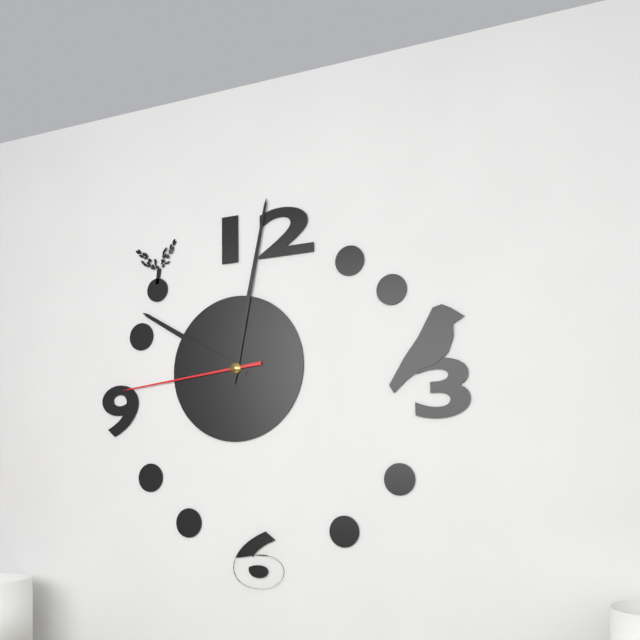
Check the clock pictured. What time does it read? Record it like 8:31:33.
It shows 10:02:44
